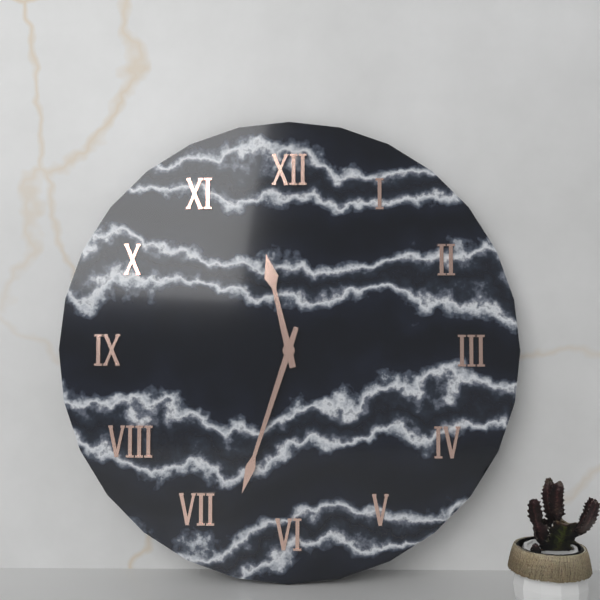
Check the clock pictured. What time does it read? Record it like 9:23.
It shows 11:33
